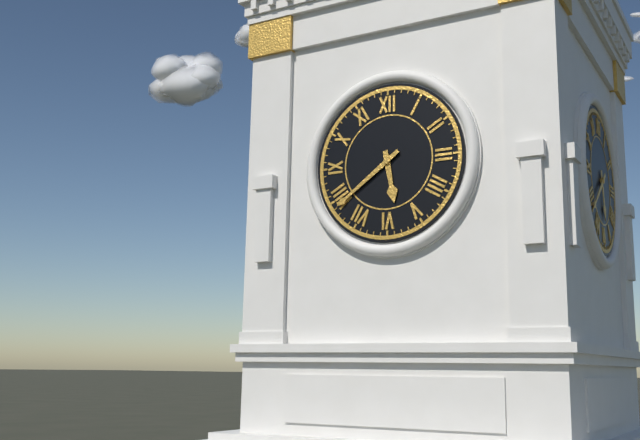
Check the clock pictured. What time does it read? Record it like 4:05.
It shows 5:39
